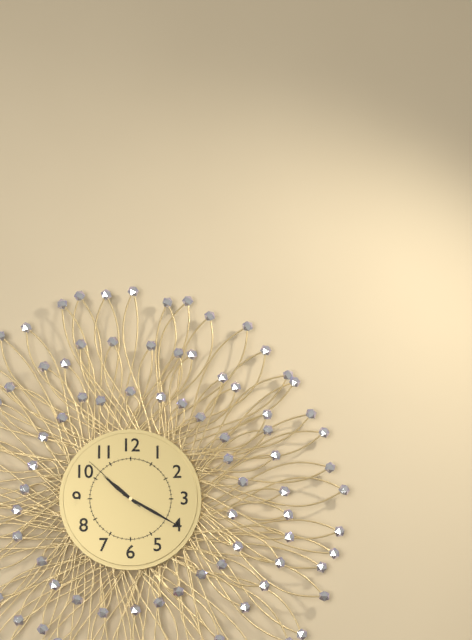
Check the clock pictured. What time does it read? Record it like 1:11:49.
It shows 10:20:52
